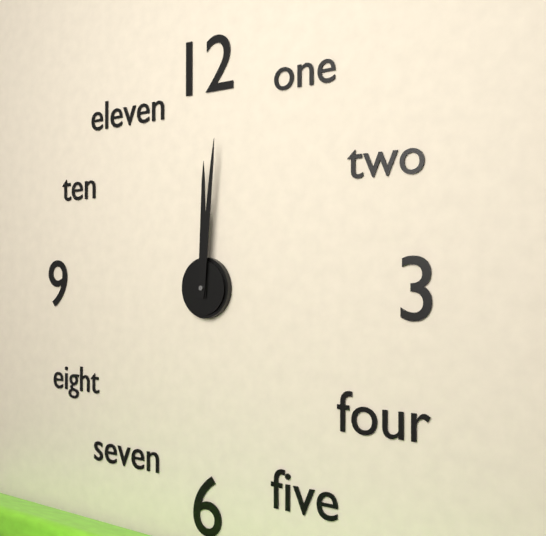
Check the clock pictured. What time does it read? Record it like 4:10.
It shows 12:01
